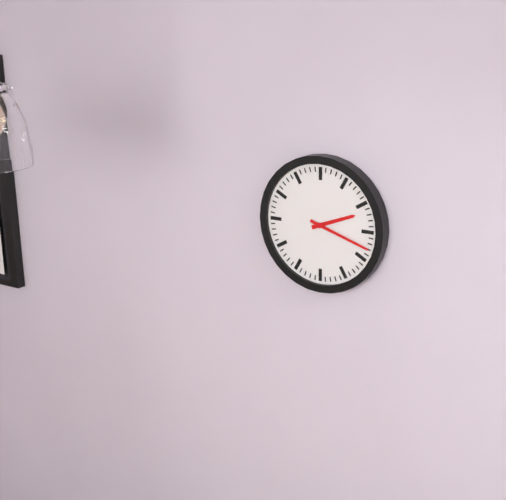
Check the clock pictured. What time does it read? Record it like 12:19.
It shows 2:18
